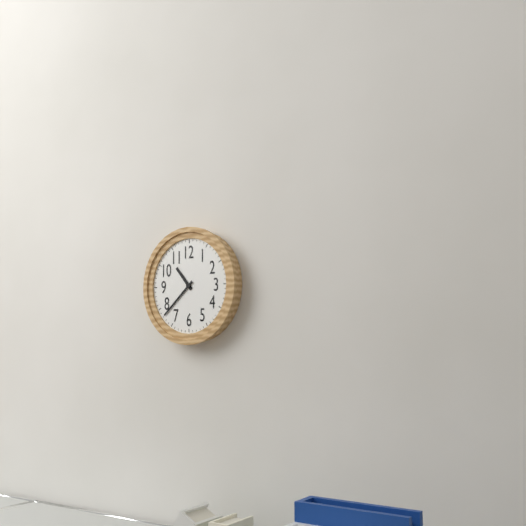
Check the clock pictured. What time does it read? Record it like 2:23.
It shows 10:38
